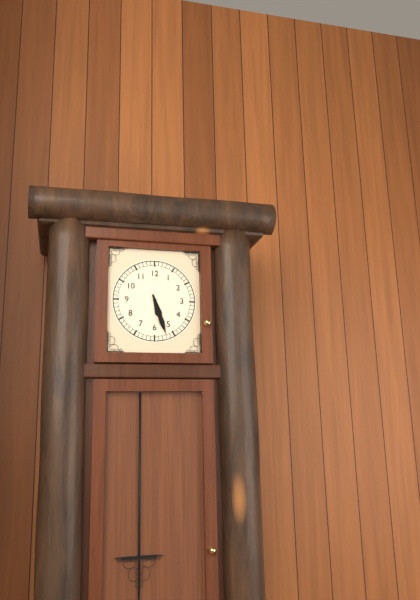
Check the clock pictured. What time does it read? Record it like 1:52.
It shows 5:27
